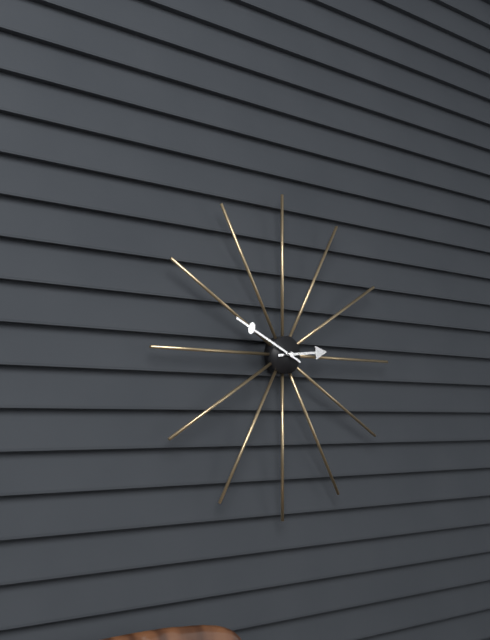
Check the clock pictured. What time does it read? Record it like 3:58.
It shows 2:49
